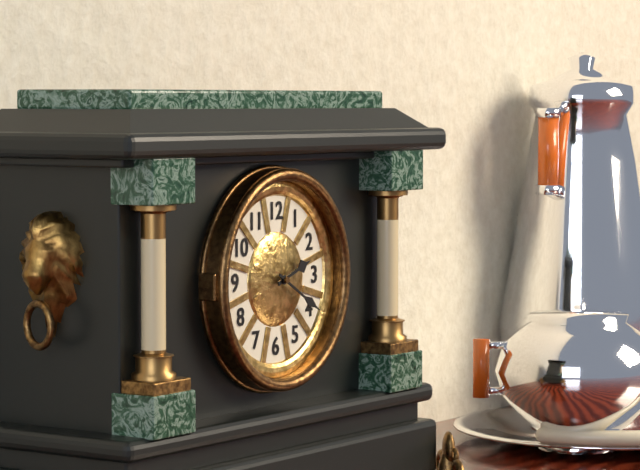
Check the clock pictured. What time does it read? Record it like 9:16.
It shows 2:20
